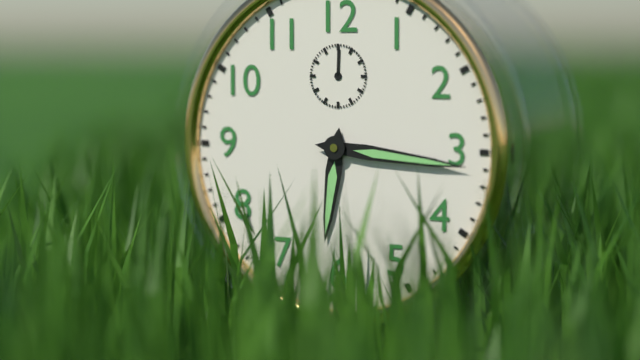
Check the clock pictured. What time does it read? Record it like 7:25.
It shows 6:16
